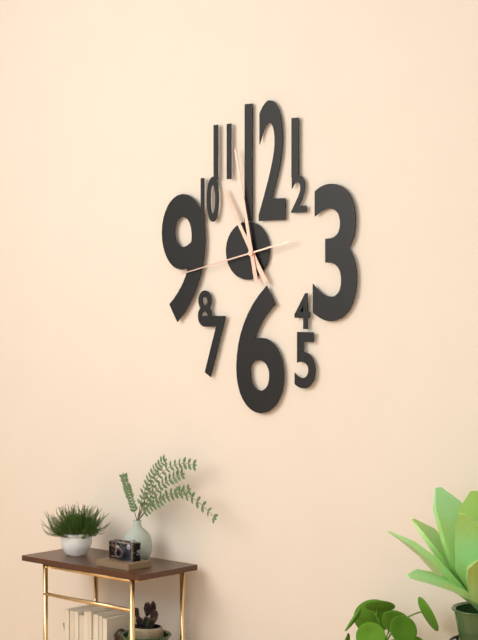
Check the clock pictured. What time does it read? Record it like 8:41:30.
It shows 10:58:43
